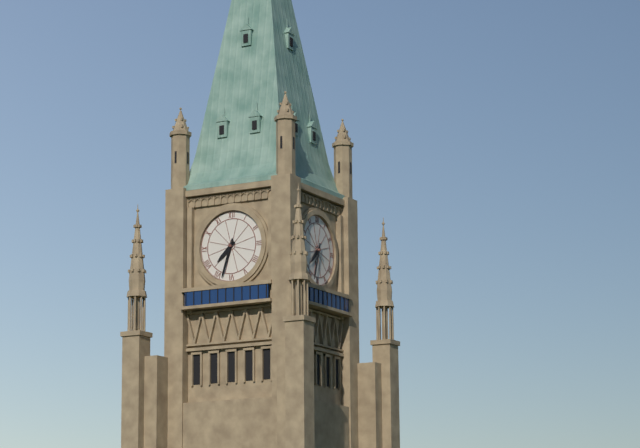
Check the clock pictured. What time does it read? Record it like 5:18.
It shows 7:33
